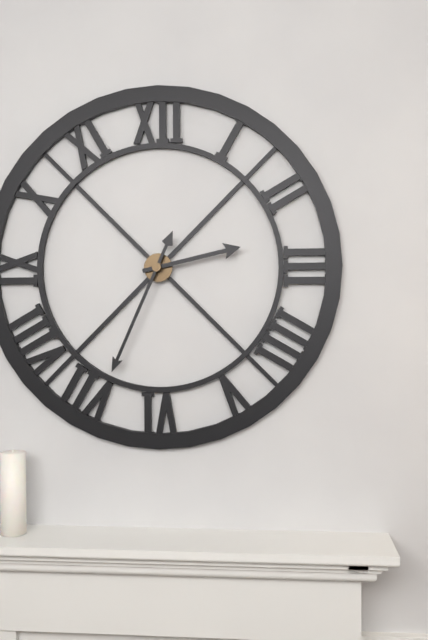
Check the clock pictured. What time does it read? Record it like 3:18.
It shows 2:34
